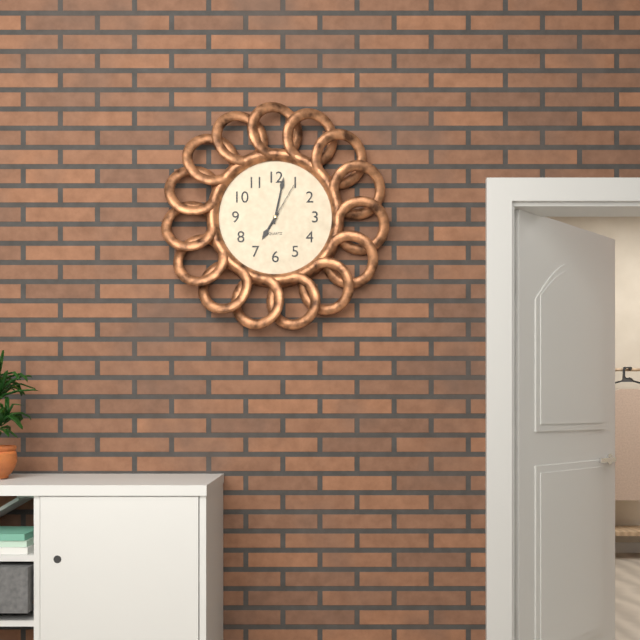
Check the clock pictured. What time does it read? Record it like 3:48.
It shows 7:02
